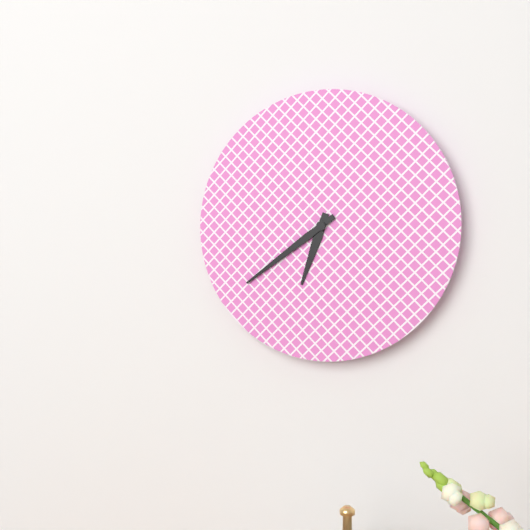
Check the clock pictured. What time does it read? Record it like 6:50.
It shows 6:39
